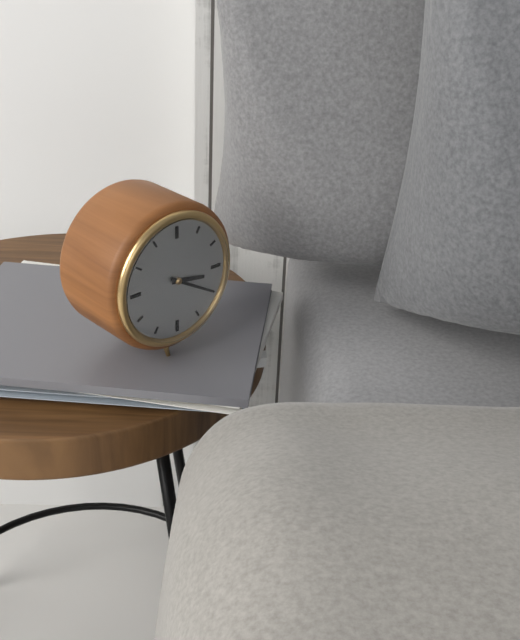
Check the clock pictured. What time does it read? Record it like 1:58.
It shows 3:20
